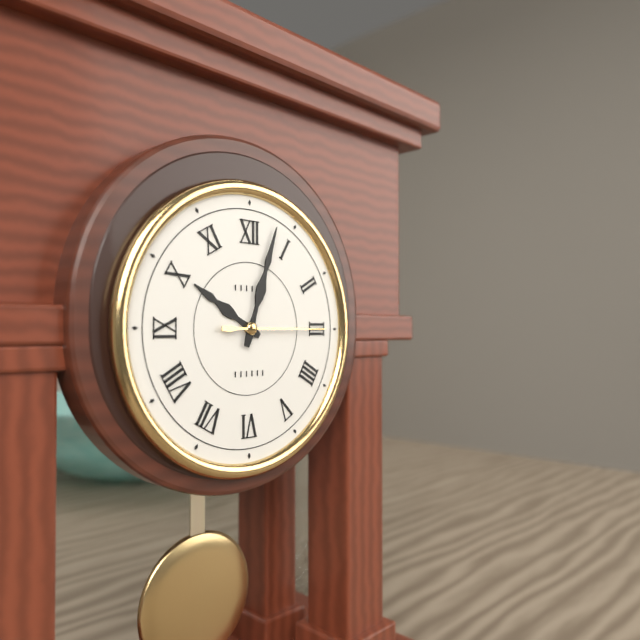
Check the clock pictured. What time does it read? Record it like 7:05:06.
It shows 10:03:15
